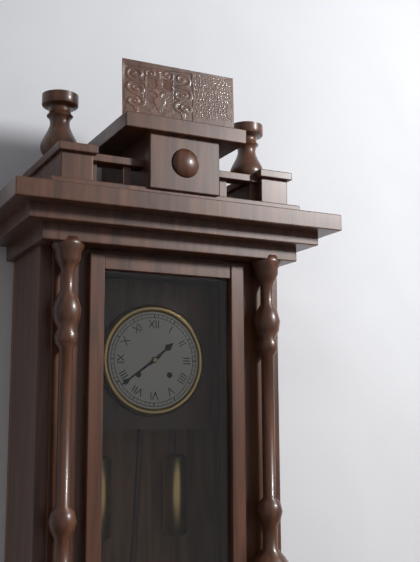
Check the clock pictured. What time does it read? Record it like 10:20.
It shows 1:39
